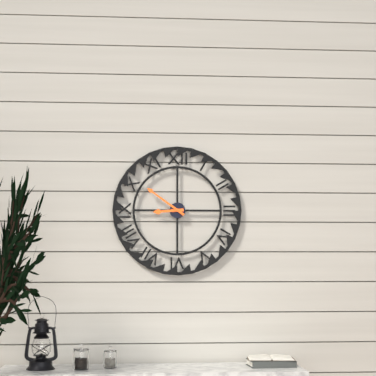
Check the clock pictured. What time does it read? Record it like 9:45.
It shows 8:51
